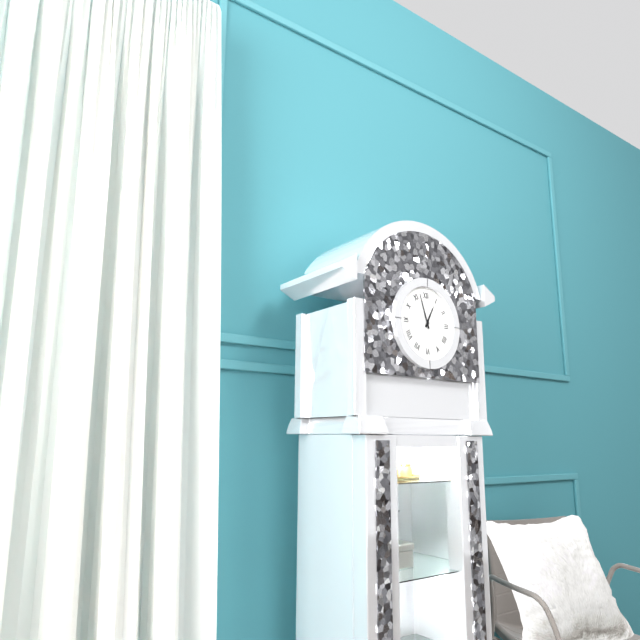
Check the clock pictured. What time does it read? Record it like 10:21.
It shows 12:57
